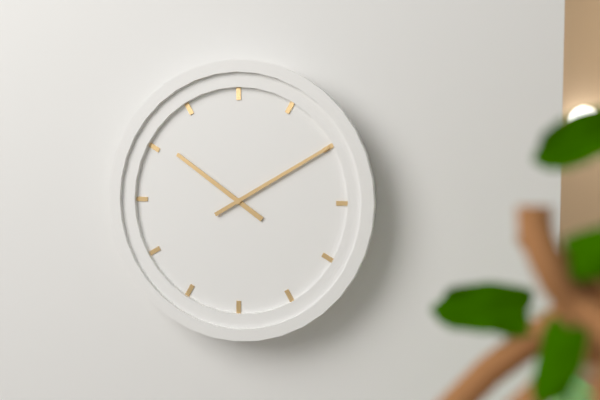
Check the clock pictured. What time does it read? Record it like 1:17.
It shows 10:10
